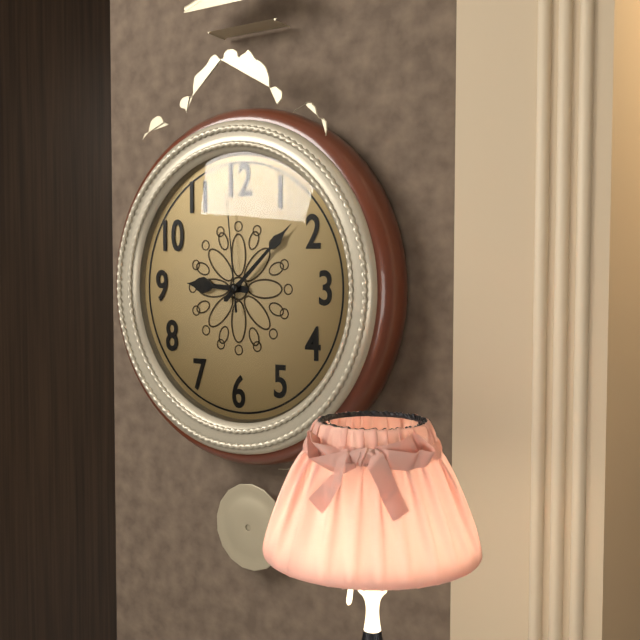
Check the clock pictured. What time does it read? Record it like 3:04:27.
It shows 9:08:59
